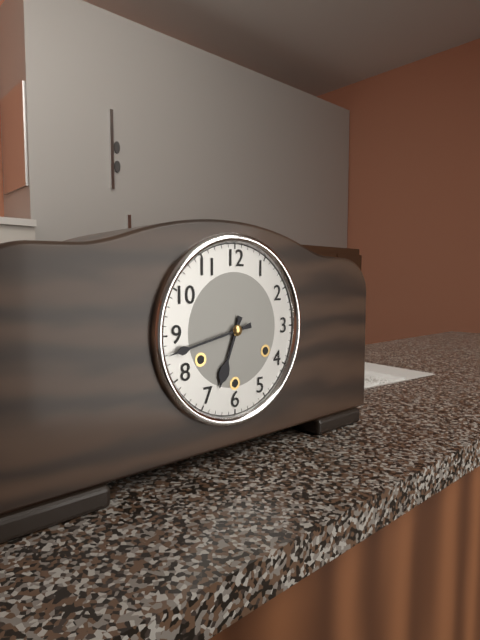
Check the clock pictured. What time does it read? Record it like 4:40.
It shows 6:43
